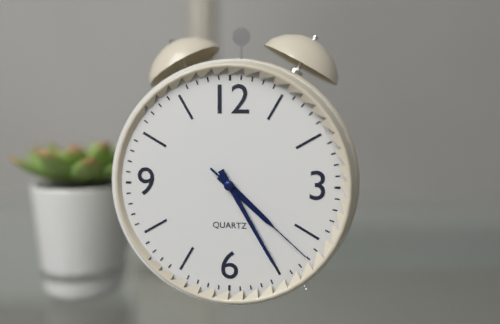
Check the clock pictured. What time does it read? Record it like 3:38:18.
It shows 4:25:22
